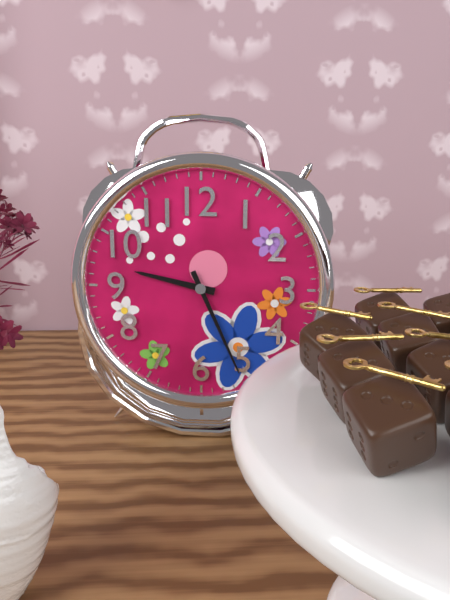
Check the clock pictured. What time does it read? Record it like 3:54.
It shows 9:26
